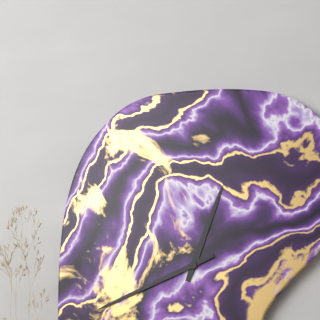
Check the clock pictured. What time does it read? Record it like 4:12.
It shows 12:41
